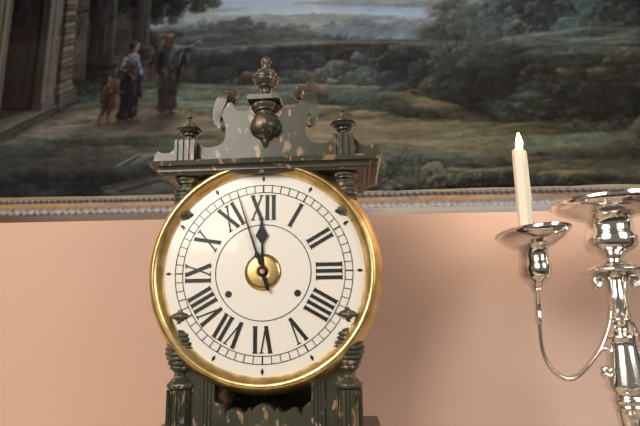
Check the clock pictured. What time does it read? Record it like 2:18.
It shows 11:57
